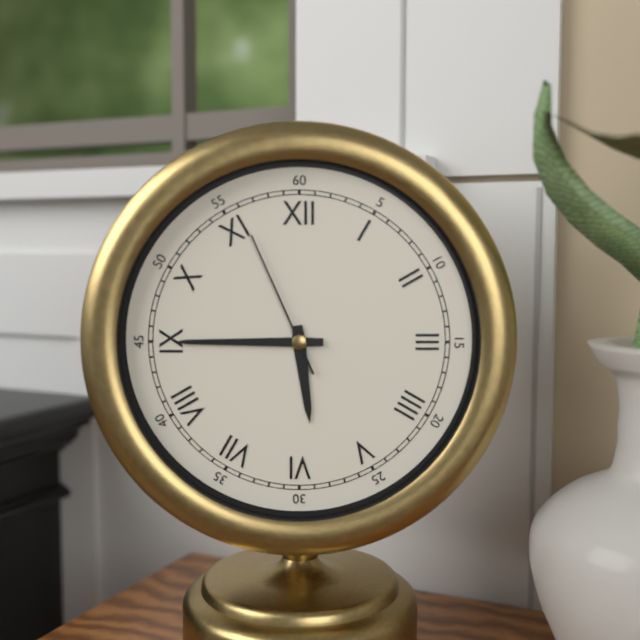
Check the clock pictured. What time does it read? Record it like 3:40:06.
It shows 5:45:56
